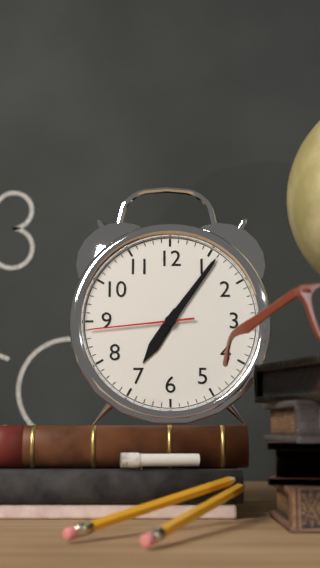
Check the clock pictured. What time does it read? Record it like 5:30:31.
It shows 7:06:44
